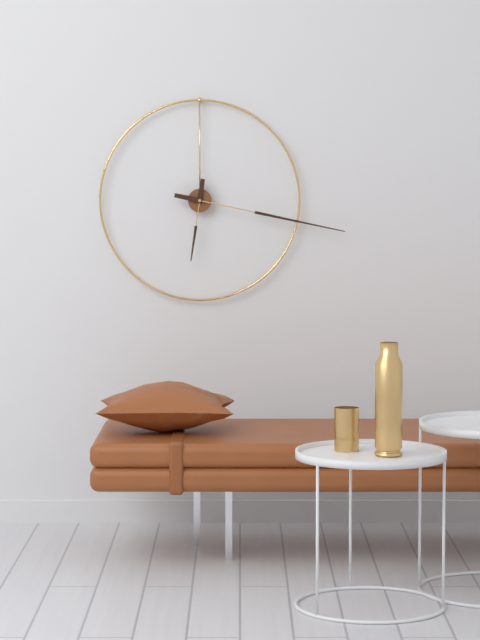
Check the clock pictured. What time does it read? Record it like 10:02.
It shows 6:17
